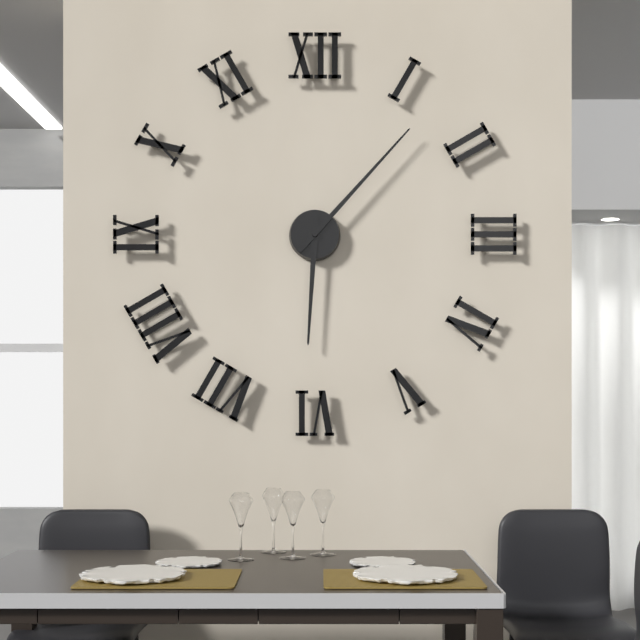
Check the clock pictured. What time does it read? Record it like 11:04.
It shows 6:07
